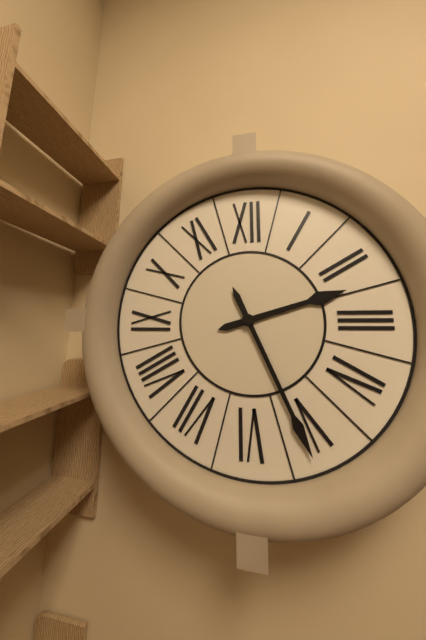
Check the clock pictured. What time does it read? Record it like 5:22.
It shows 2:26
